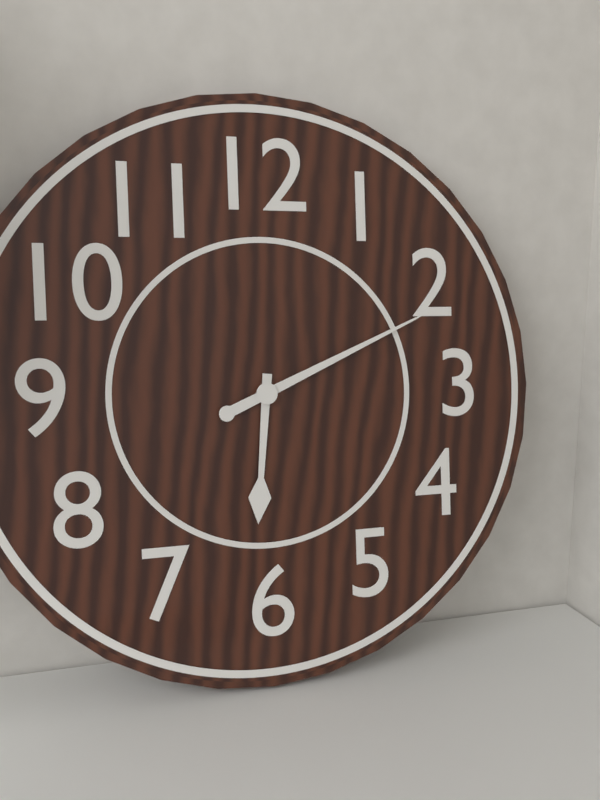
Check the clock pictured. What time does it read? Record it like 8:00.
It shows 6:11
